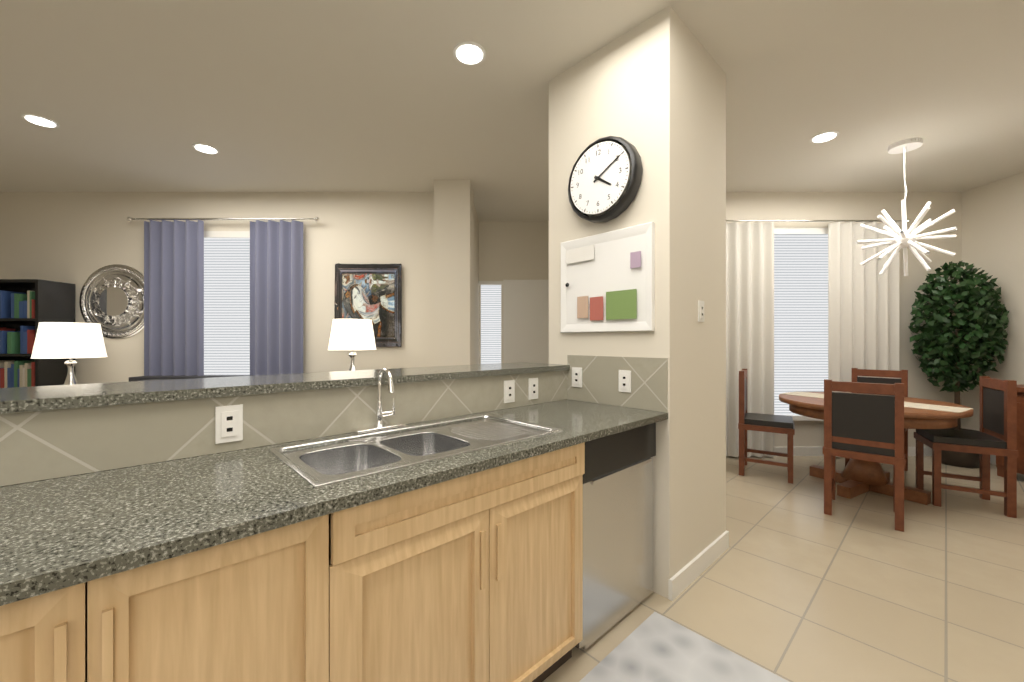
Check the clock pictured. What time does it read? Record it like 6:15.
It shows 4:10
